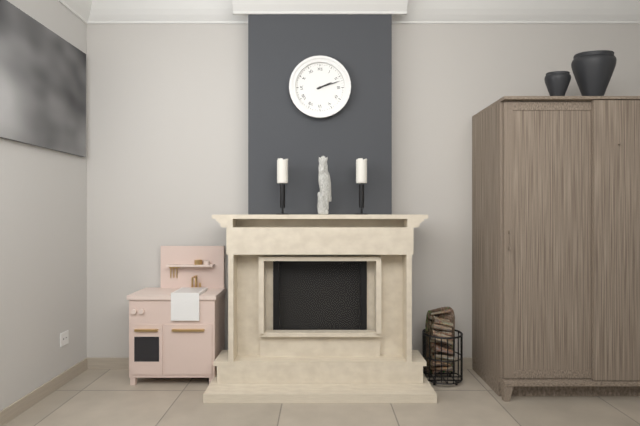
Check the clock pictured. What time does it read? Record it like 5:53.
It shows 2:12
